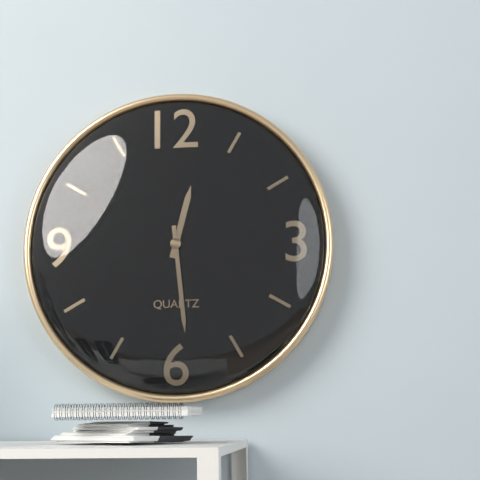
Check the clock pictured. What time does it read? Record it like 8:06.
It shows 12:29
